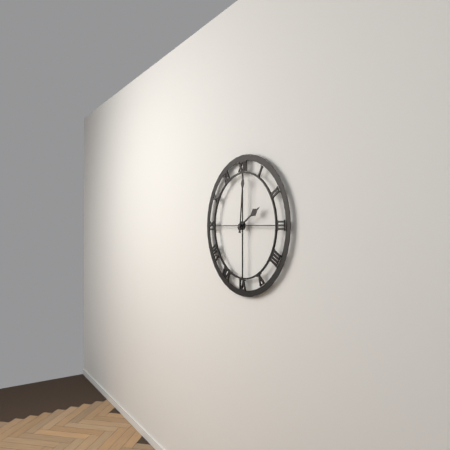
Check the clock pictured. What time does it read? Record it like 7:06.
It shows 2:01
